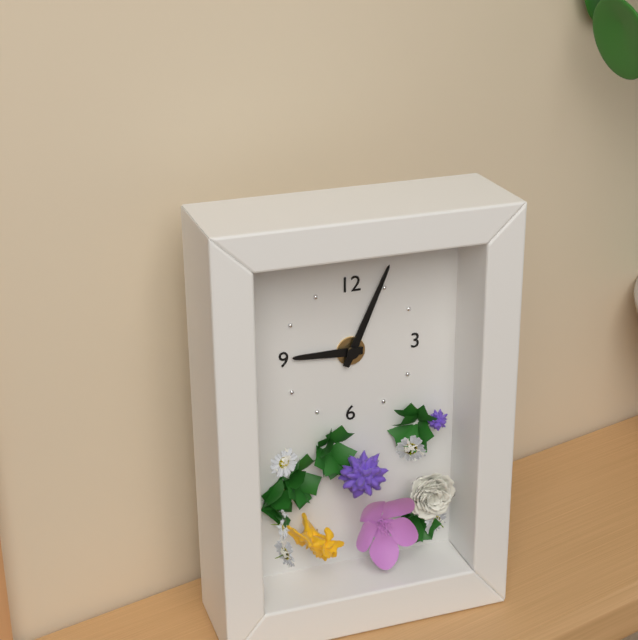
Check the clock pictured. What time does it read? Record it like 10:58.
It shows 9:04
